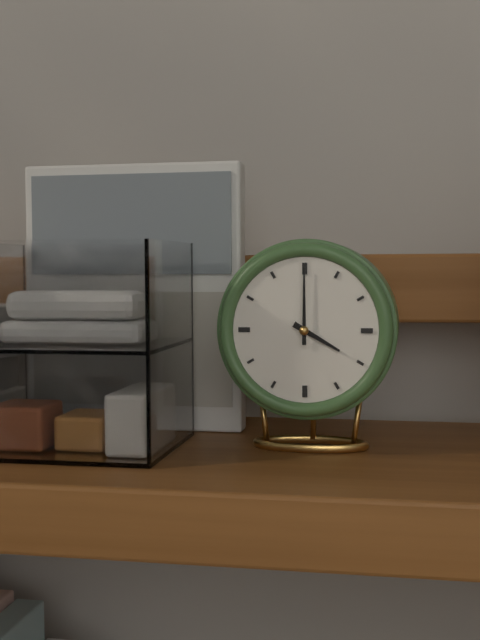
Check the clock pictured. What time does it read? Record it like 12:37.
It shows 4:00
